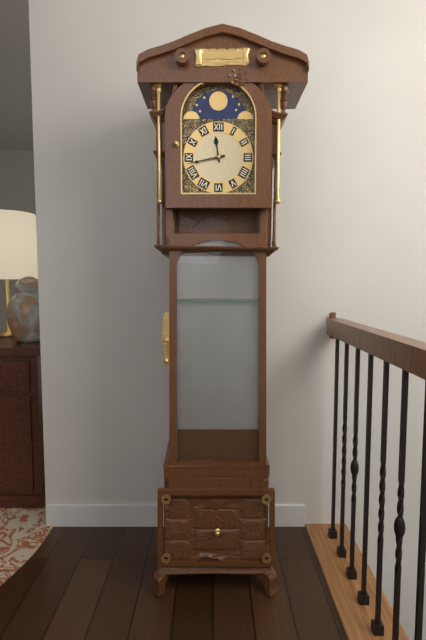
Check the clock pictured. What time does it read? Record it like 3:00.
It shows 11:43
